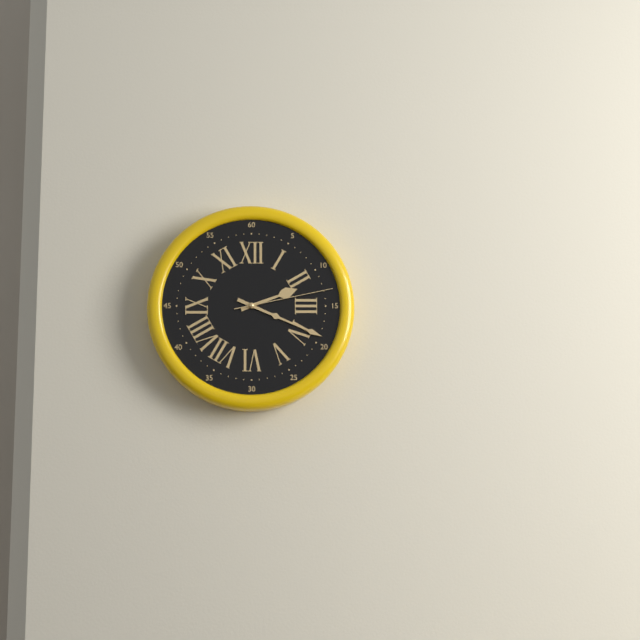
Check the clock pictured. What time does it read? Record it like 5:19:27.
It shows 2:19:13
